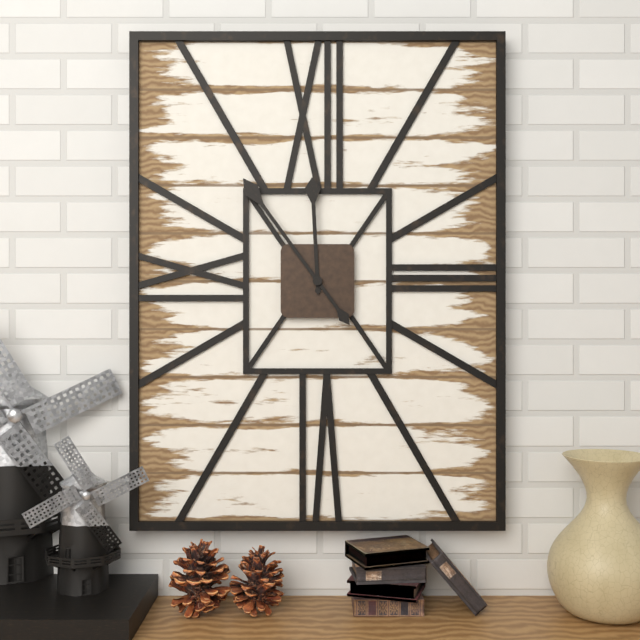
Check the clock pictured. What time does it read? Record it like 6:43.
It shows 11:54
